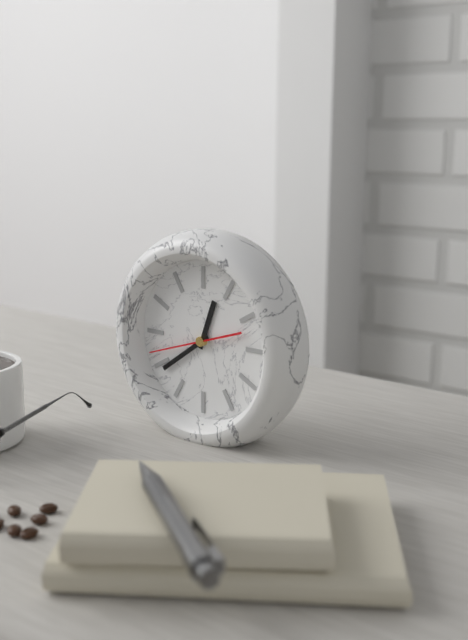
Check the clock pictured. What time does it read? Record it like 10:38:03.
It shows 12:39:42
